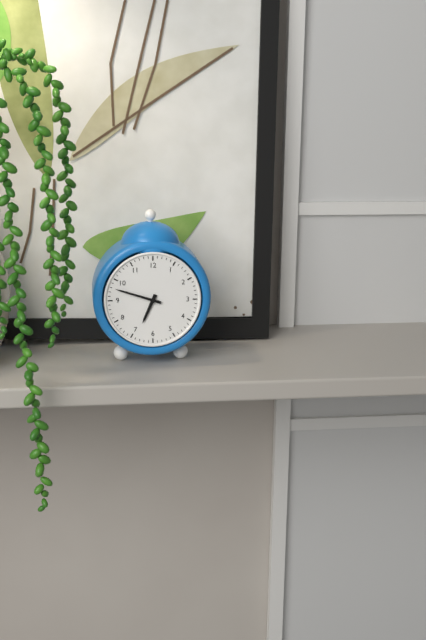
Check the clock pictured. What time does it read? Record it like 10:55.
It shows 6:48
